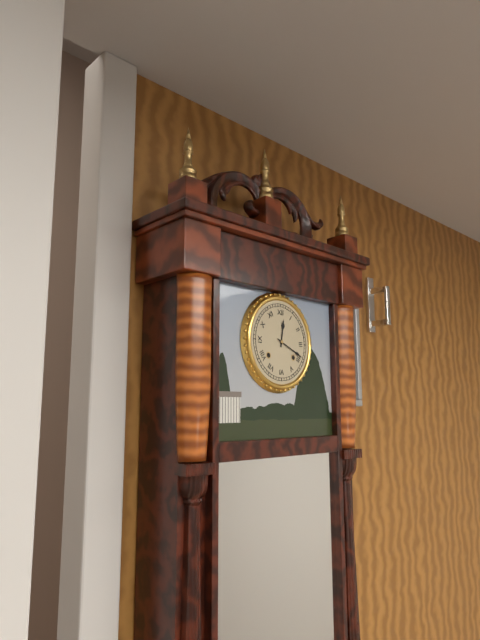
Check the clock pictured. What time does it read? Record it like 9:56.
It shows 12:19
